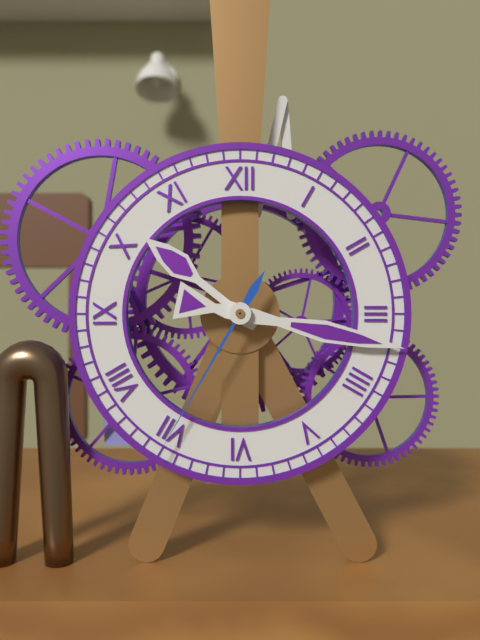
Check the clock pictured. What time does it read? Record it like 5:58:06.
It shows 10:17:35
